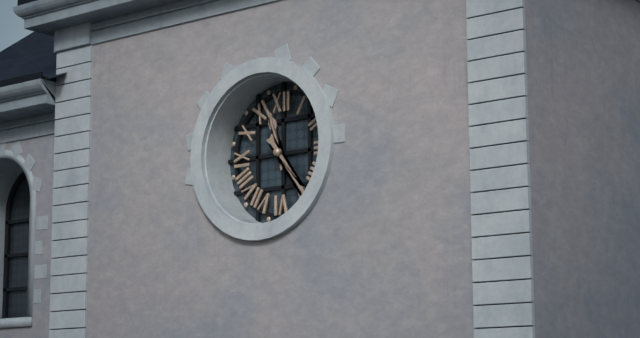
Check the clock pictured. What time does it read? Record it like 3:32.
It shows 11:24
